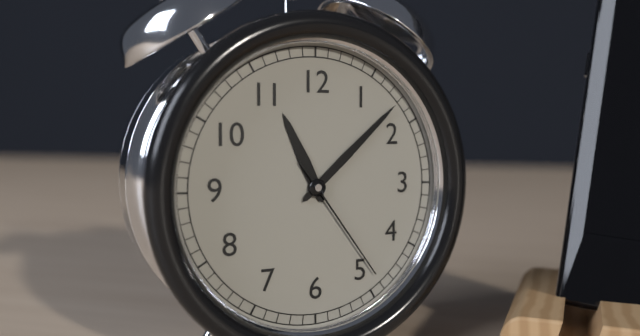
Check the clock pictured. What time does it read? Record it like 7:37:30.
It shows 11:08:24
